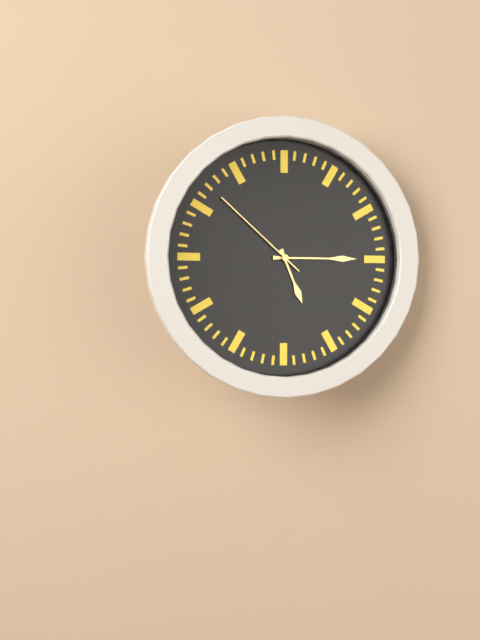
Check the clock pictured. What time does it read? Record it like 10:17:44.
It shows 5:15:52
